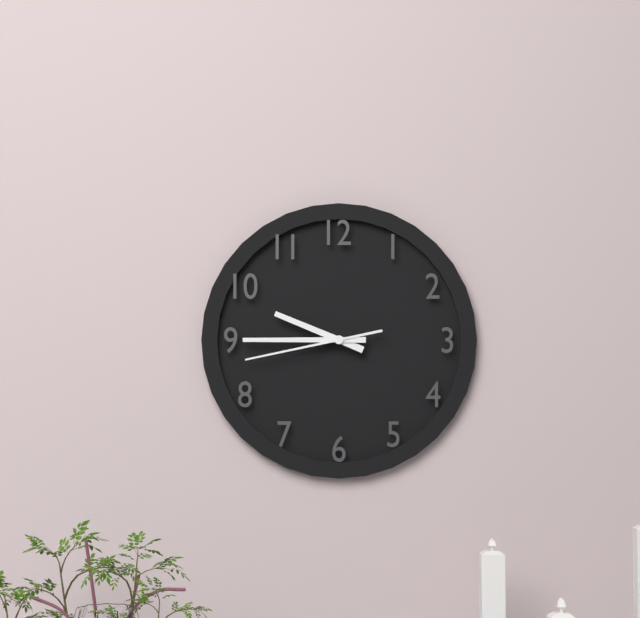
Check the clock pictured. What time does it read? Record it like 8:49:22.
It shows 9:45:43
